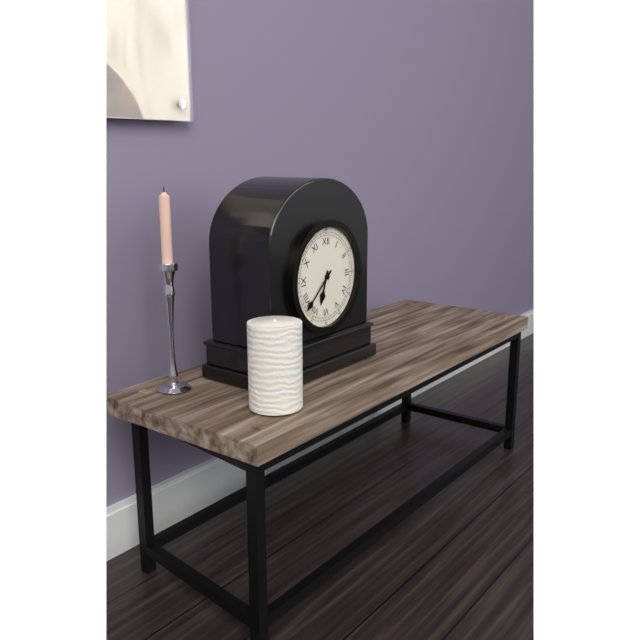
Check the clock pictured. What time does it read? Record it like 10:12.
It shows 6:38
